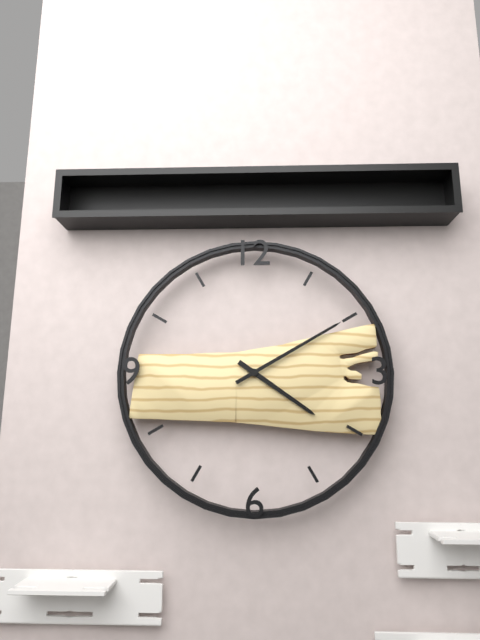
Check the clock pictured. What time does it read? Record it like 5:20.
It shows 4:10
